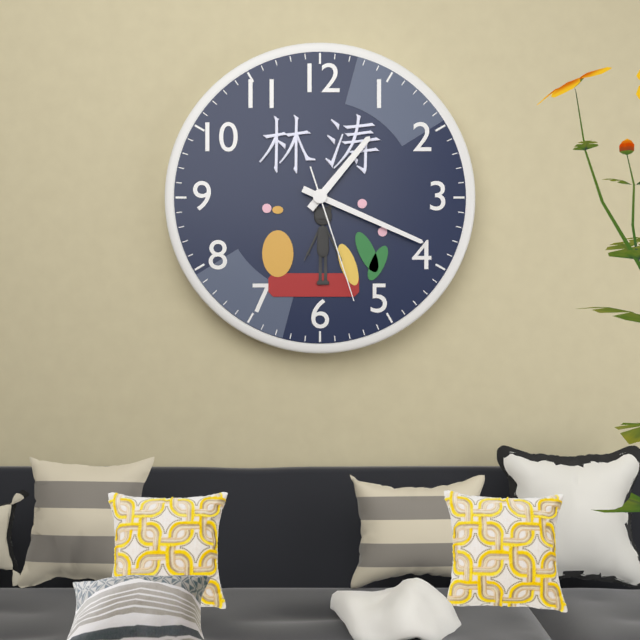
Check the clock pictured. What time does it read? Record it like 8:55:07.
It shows 1:19:27
